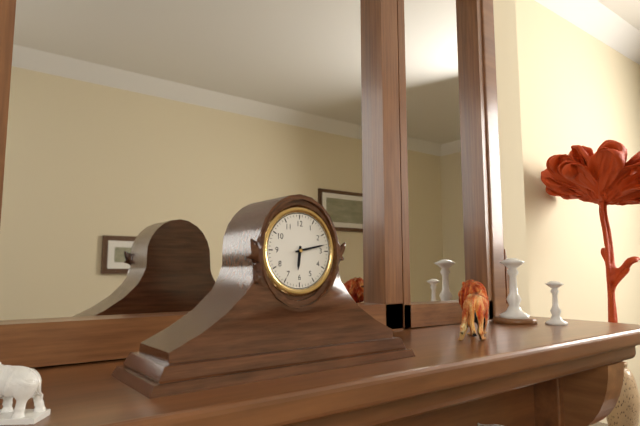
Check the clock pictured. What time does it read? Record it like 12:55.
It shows 6:13
